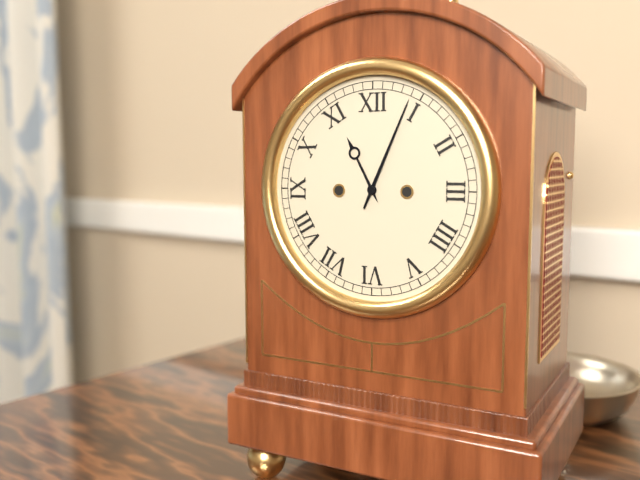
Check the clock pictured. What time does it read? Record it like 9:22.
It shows 11:04
